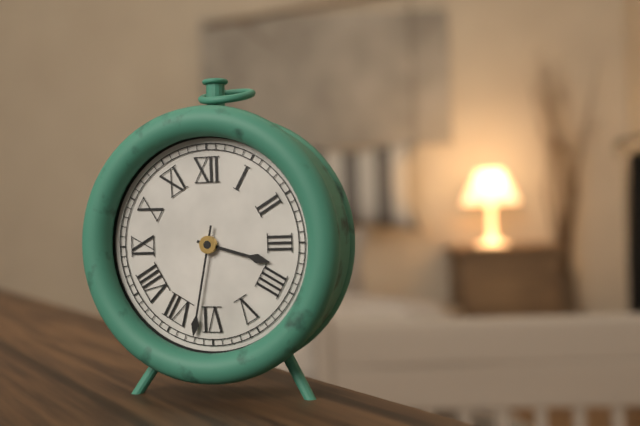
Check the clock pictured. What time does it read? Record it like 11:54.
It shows 3:32
